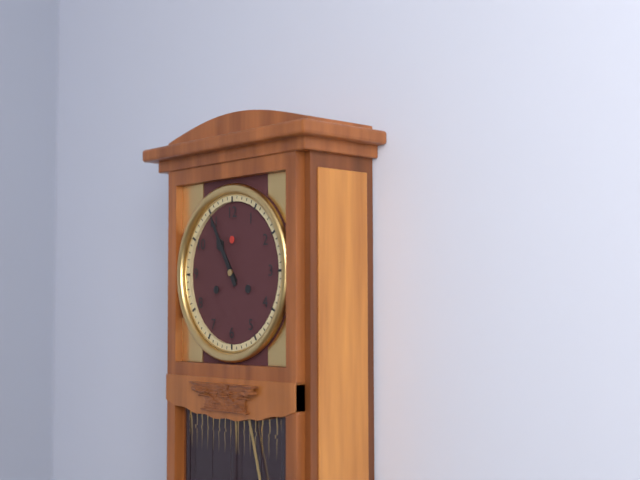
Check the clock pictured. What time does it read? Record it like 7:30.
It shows 10:55
